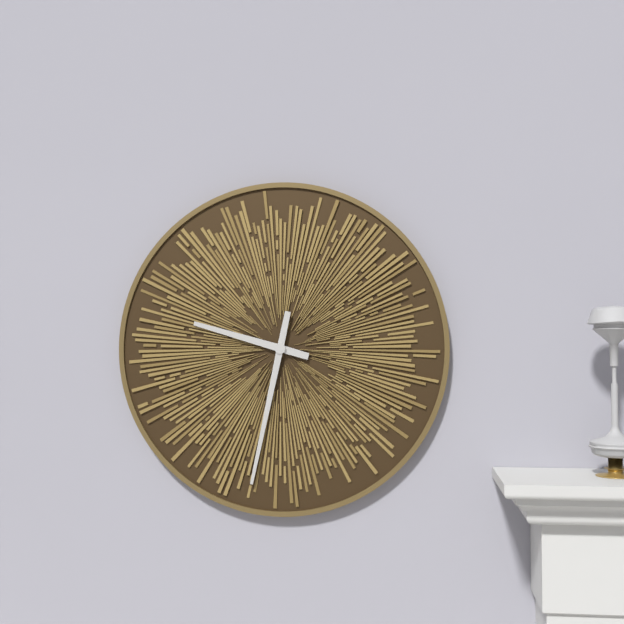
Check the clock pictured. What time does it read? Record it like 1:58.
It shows 9:32
